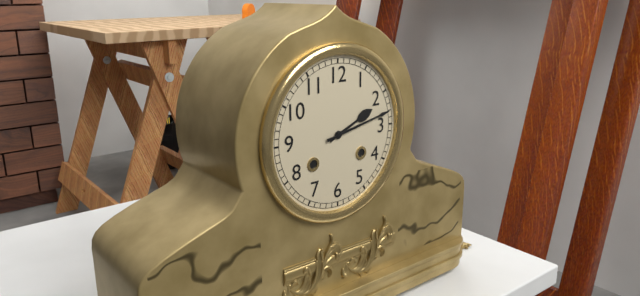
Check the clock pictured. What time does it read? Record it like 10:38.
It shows 2:13
